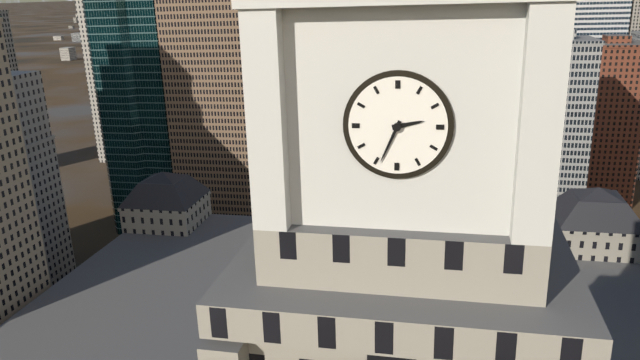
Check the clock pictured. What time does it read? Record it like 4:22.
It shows 2:34
